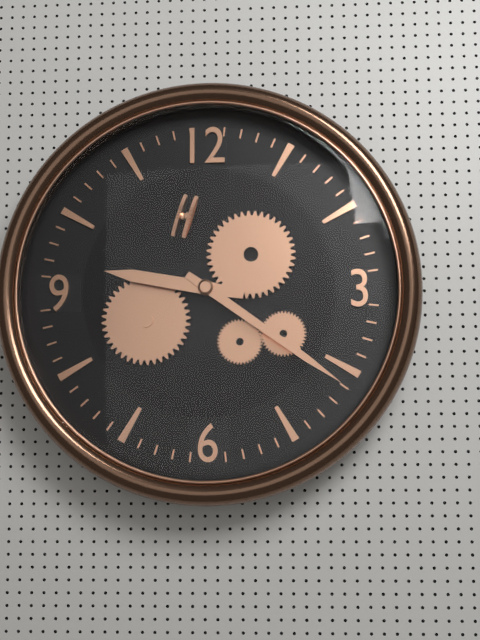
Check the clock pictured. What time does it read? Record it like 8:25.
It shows 9:21
